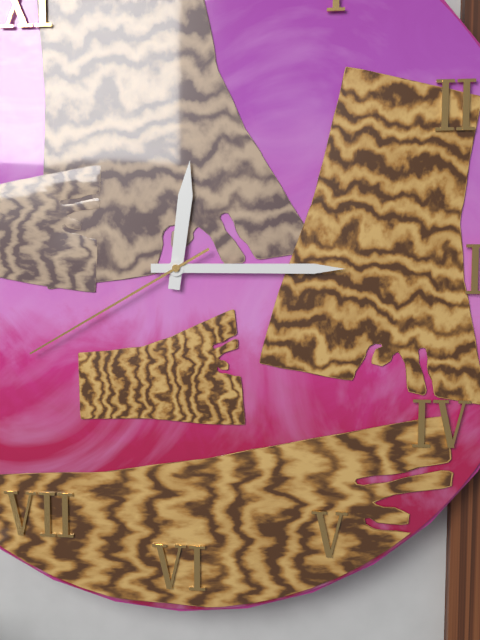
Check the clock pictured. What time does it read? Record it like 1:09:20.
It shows 12:15:40
